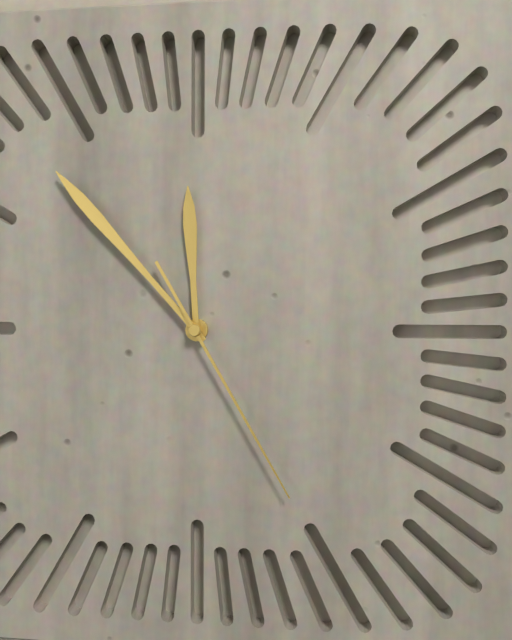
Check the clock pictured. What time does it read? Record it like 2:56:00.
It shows 11:53:25
